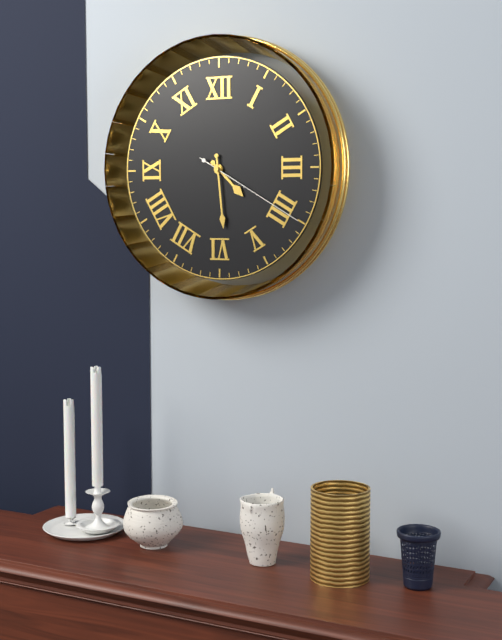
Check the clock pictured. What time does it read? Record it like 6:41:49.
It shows 4:29:20
